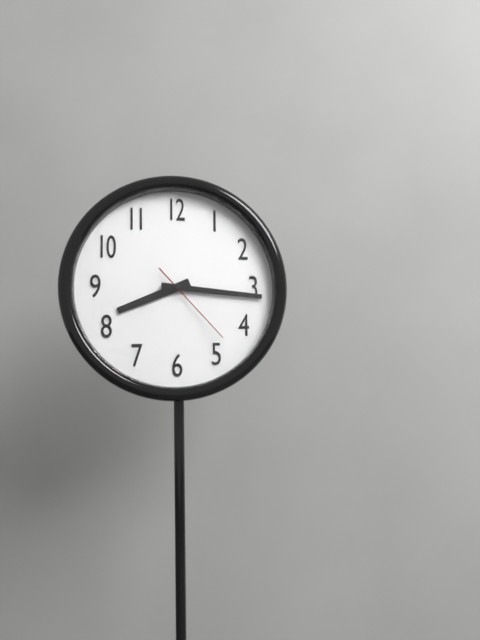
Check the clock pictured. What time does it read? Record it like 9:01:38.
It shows 8:16:23
